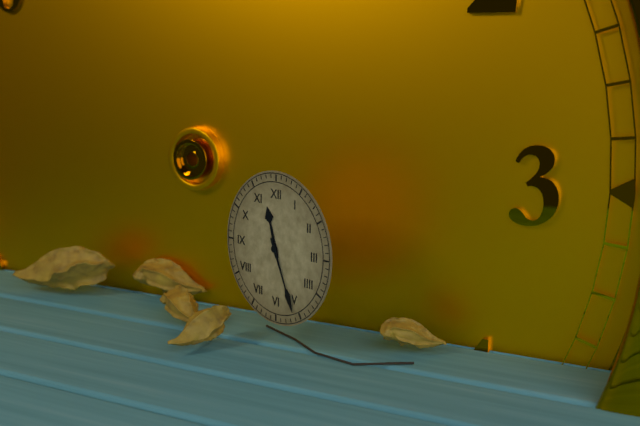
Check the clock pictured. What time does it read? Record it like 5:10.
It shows 11:26
